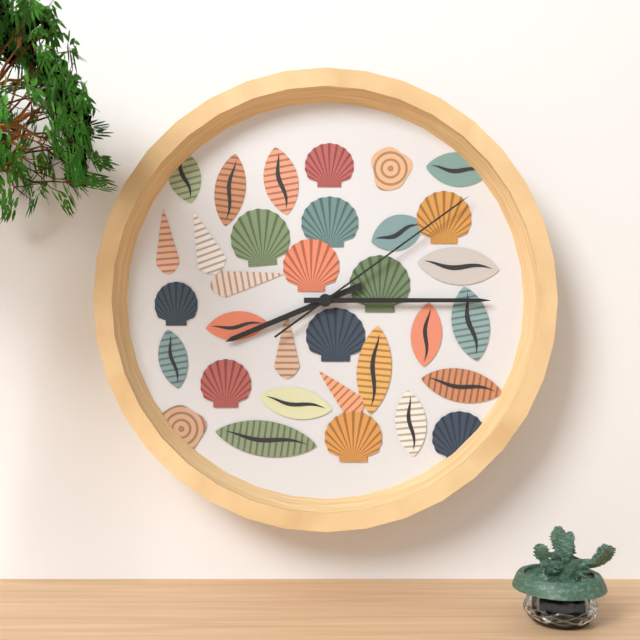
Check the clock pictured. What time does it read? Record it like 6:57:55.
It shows 8:15:09
